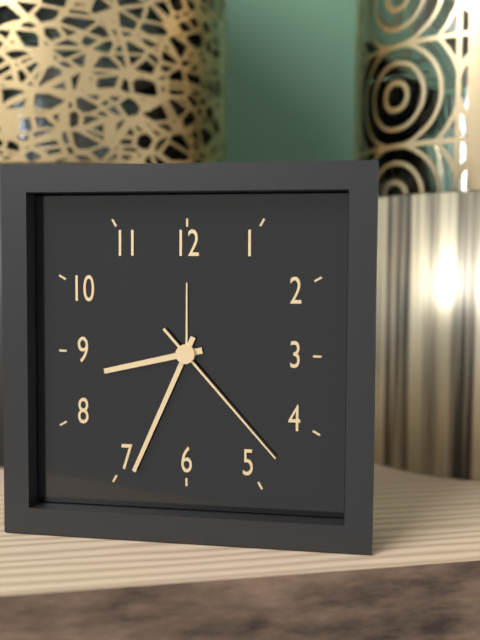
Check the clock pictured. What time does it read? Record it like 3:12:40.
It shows 8:34:23
